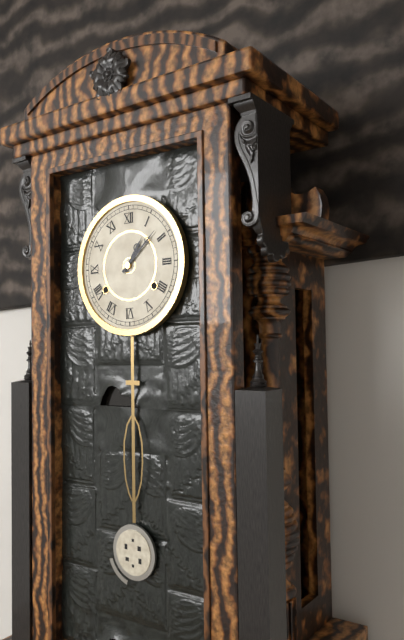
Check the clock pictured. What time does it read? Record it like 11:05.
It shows 1:08
